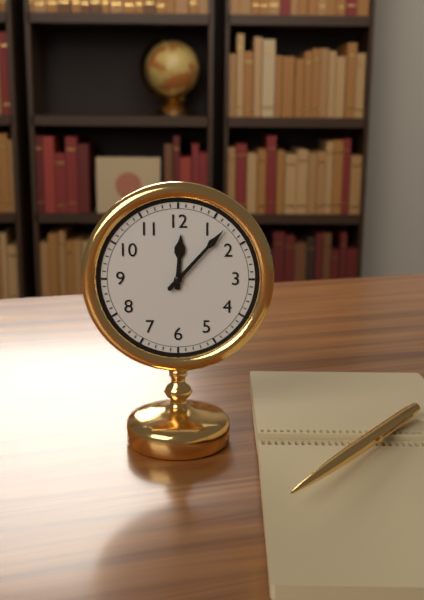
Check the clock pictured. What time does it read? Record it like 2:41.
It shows 12:07
